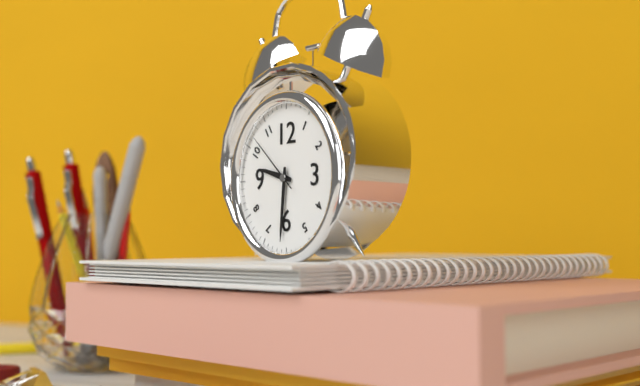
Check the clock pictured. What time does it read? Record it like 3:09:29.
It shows 9:31:52
